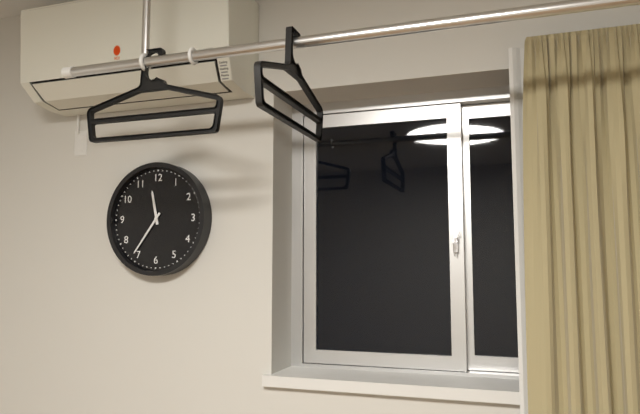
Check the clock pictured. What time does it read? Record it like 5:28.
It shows 11:36
